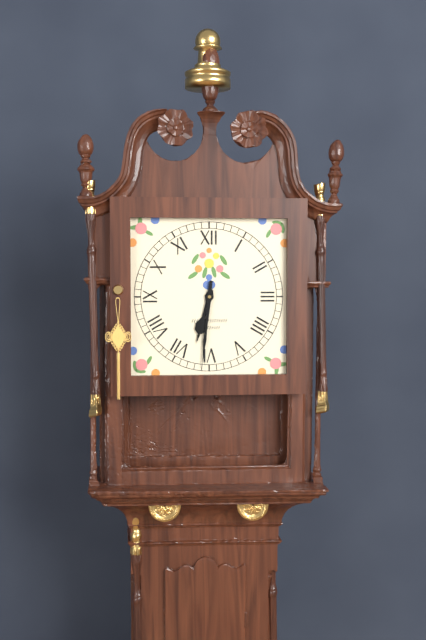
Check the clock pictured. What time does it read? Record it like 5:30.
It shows 6:31
